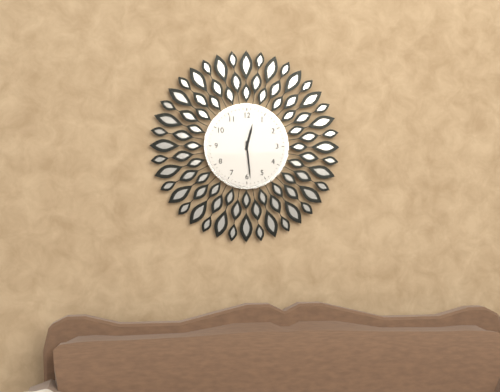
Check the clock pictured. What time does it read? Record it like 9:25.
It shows 12:29
